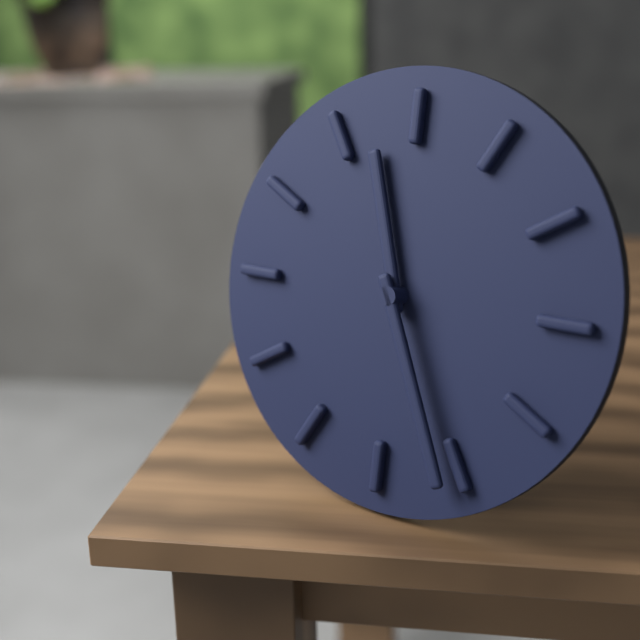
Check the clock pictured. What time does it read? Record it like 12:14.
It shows 11:26
